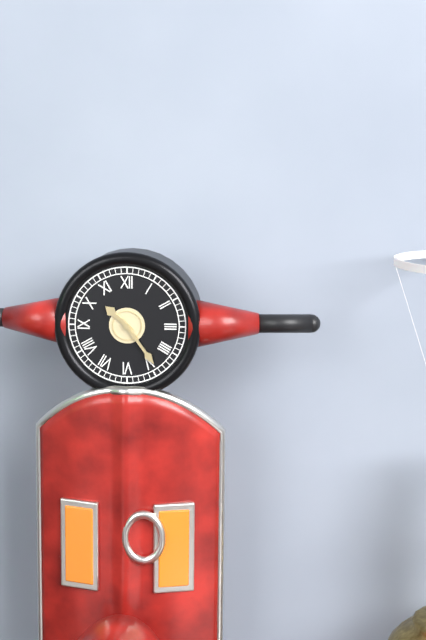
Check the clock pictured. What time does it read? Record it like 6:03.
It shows 10:24
